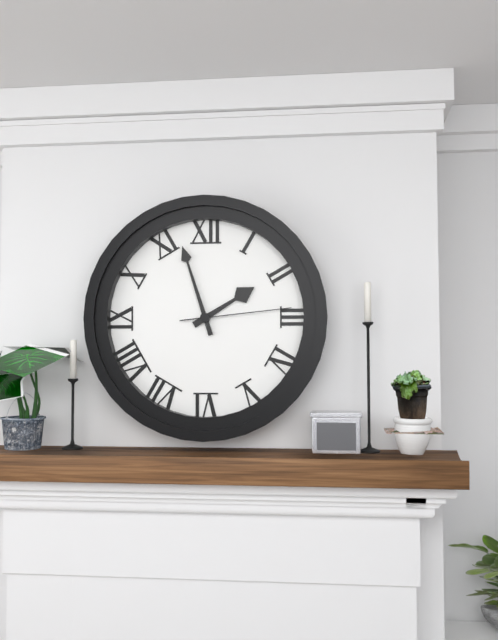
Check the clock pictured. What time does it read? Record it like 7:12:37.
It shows 1:57:14
